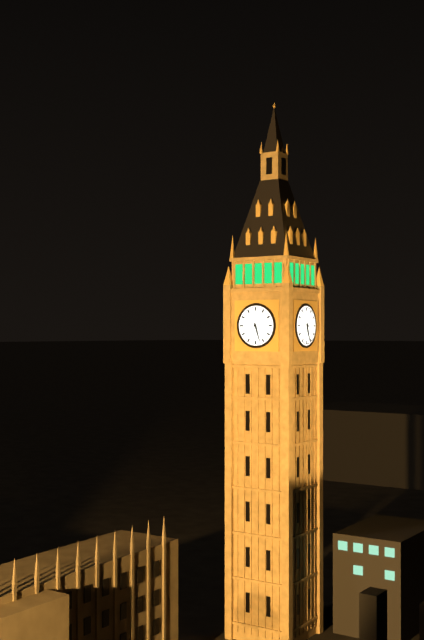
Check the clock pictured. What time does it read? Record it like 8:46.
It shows 5:27
